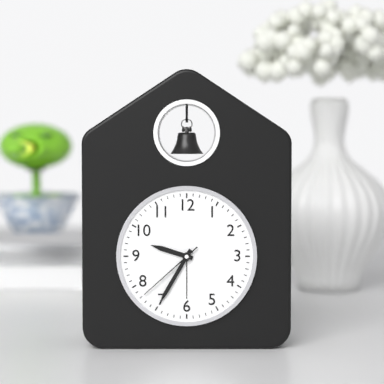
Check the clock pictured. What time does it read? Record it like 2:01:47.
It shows 9:35:38
